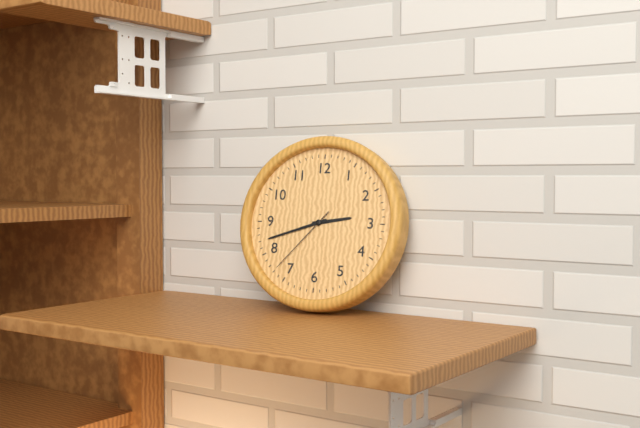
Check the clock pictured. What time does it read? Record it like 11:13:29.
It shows 2:42:37
